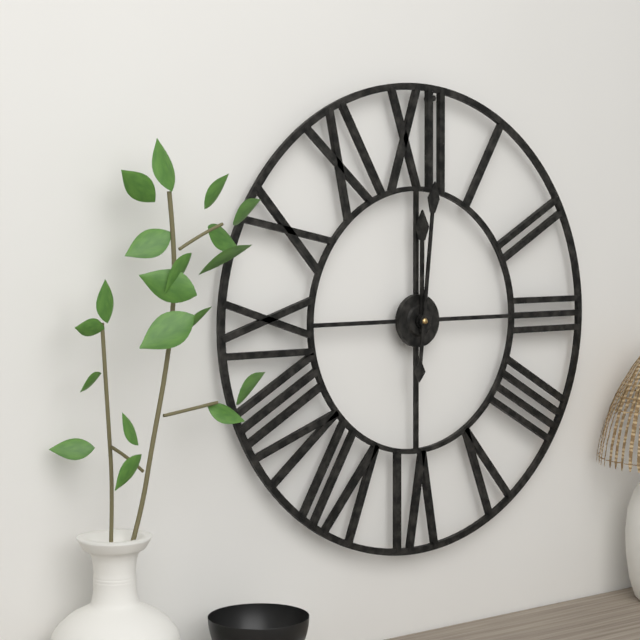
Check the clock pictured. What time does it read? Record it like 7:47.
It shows 12:01
